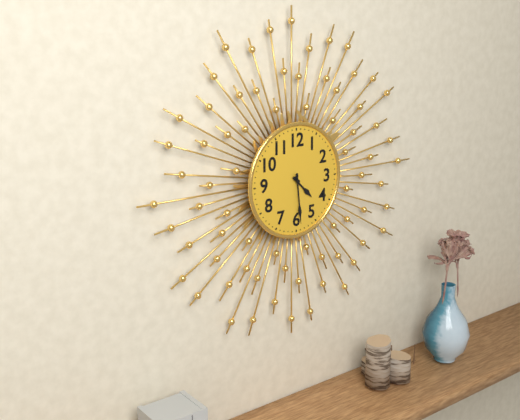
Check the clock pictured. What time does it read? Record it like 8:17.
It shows 4:29
